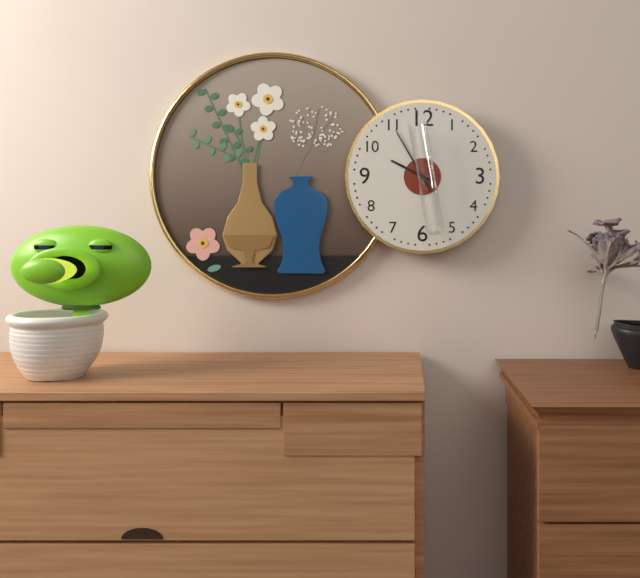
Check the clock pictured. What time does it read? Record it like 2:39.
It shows 9:55
